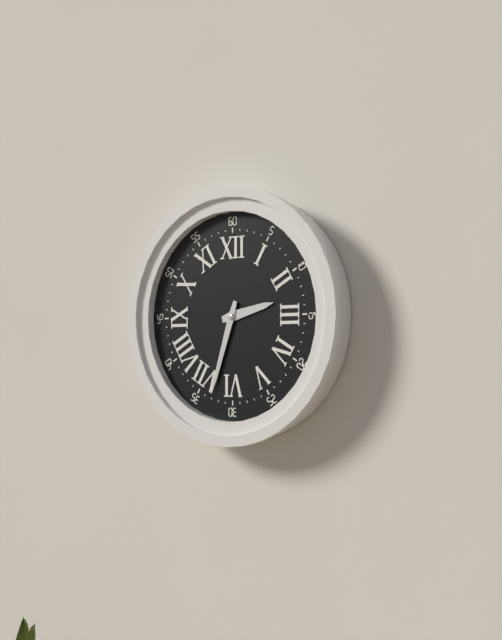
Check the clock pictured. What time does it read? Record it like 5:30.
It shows 2:33
